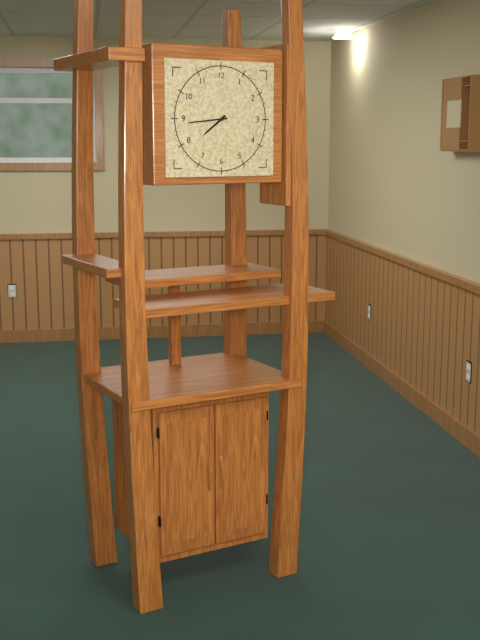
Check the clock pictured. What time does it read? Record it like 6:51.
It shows 7:44
